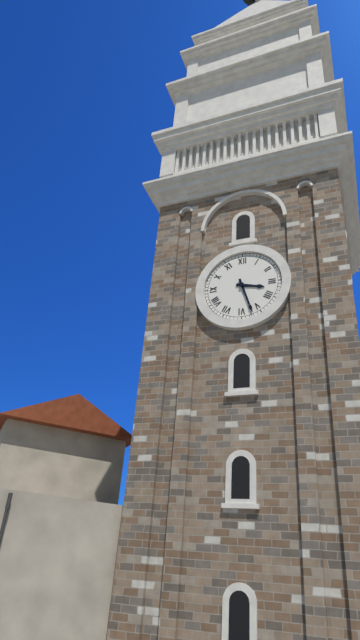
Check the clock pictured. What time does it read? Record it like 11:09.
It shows 3:27
